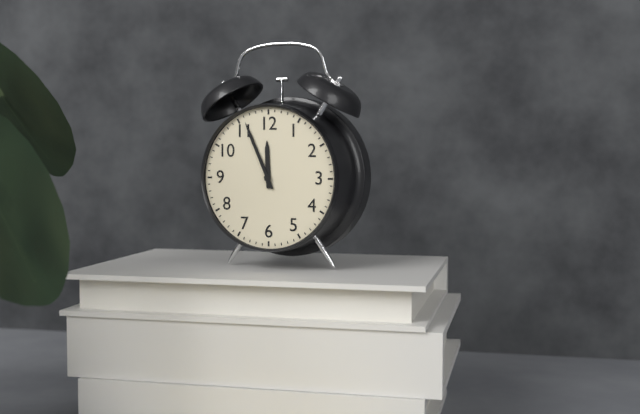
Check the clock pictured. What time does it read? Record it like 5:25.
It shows 11:56
